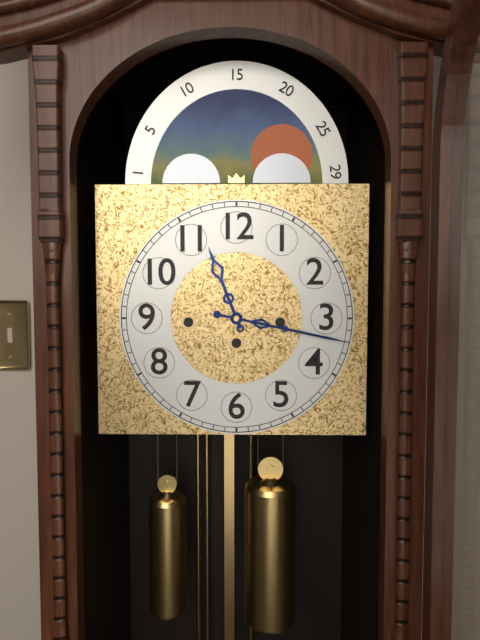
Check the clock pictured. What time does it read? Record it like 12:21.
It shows 11:17
